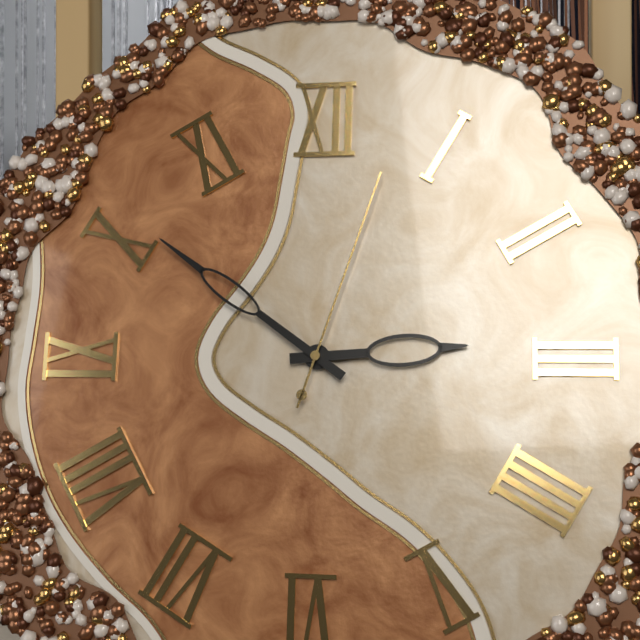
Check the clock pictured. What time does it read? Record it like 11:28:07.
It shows 2:51:03
